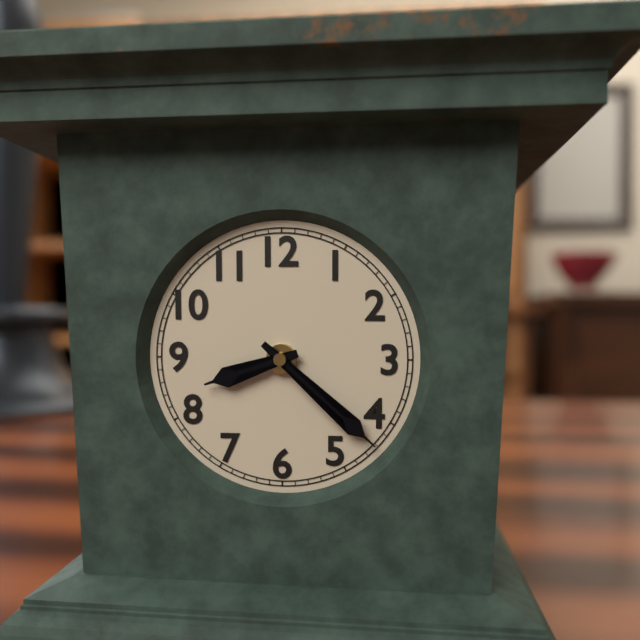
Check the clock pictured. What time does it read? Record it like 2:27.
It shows 8:22
